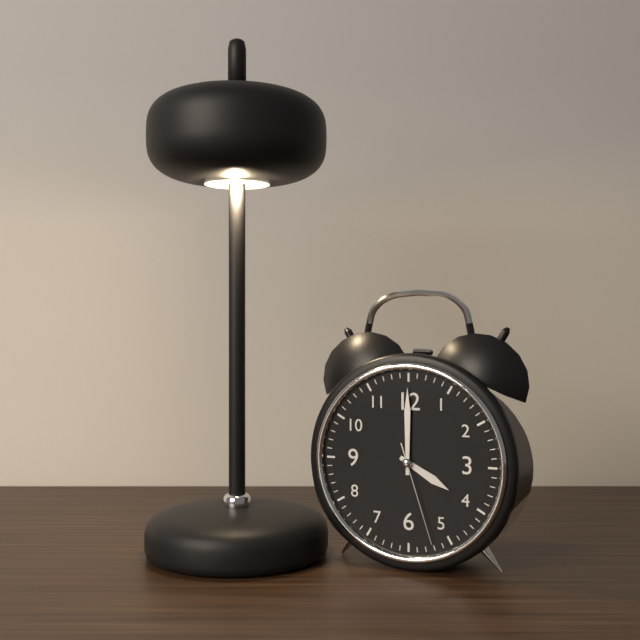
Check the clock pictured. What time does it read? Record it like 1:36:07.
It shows 4:00:27
